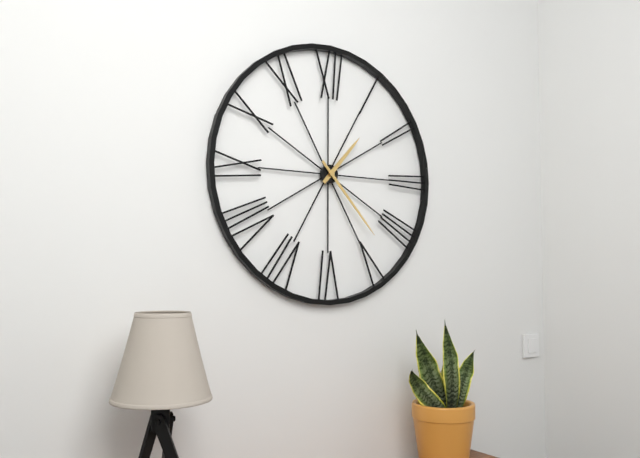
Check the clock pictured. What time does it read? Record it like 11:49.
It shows 1:23
